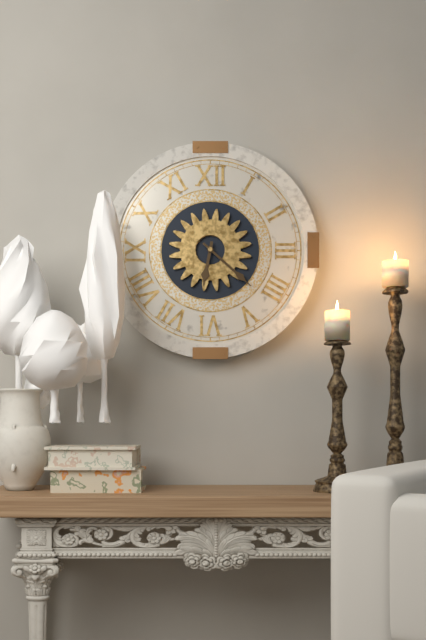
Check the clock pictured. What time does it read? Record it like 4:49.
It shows 6:22
